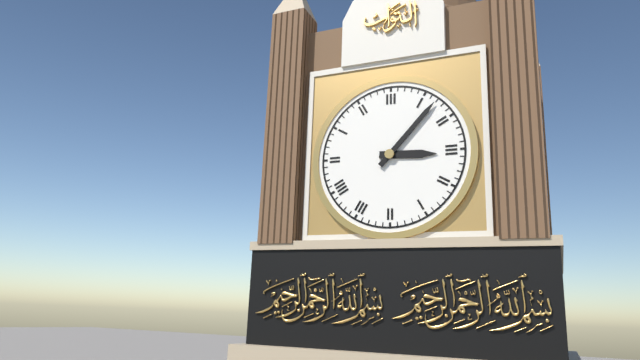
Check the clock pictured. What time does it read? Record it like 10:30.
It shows 3:07
